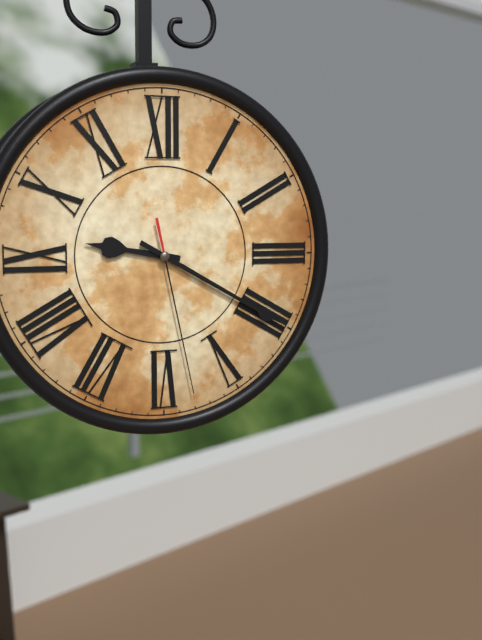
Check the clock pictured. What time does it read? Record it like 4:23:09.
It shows 9:20:28
